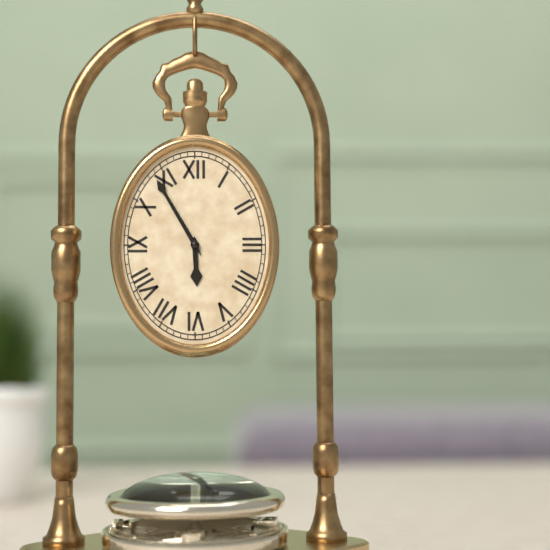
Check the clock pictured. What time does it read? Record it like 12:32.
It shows 5:55
